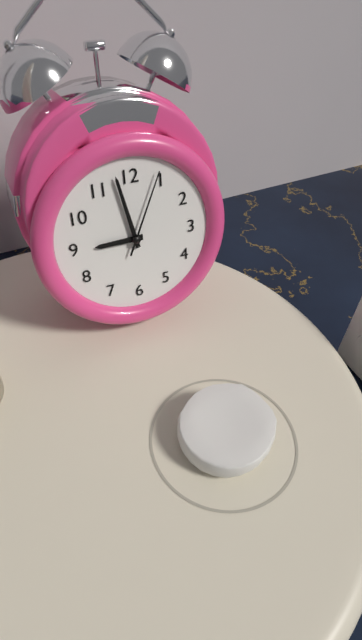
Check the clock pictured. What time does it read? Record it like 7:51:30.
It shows 8:58:04
